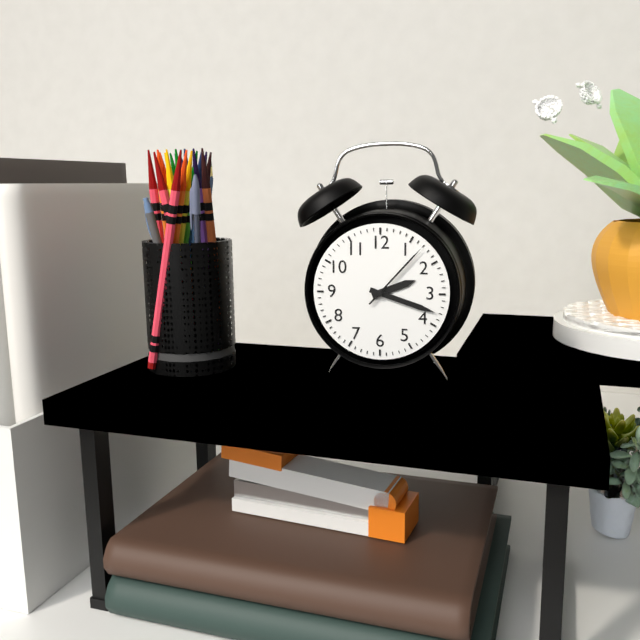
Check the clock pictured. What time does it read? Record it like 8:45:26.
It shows 2:18:07
